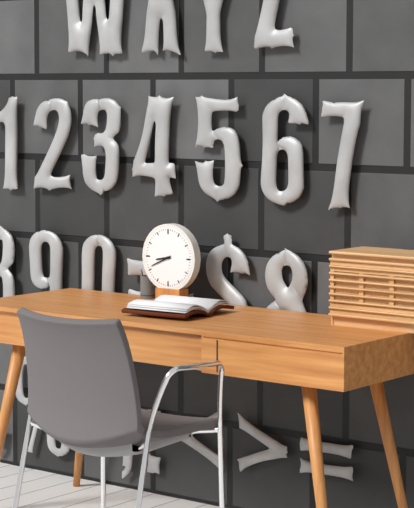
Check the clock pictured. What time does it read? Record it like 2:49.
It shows 8:41
